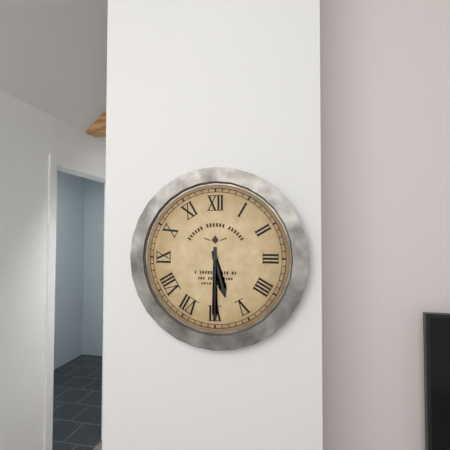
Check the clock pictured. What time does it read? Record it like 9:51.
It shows 5:30
